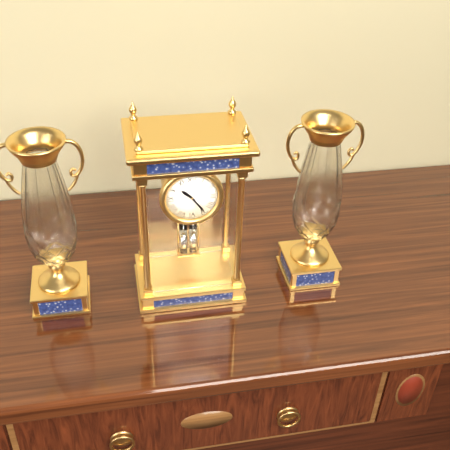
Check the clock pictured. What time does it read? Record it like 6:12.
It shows 10:24
